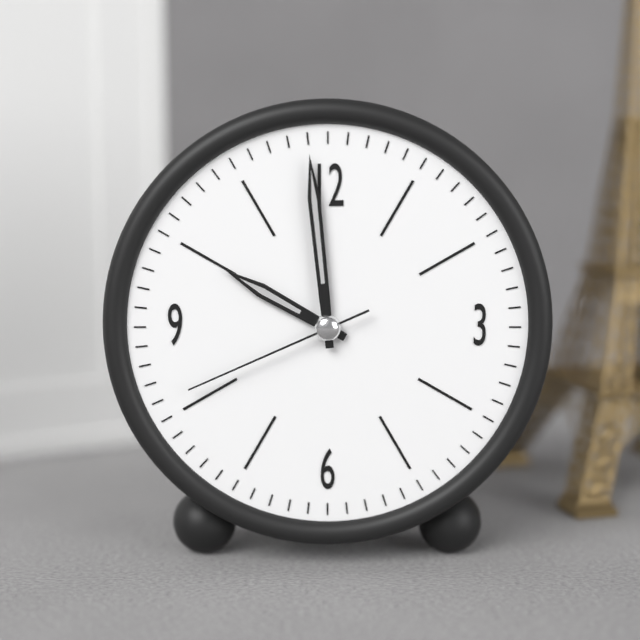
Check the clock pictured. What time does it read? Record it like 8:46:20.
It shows 9:59:41
